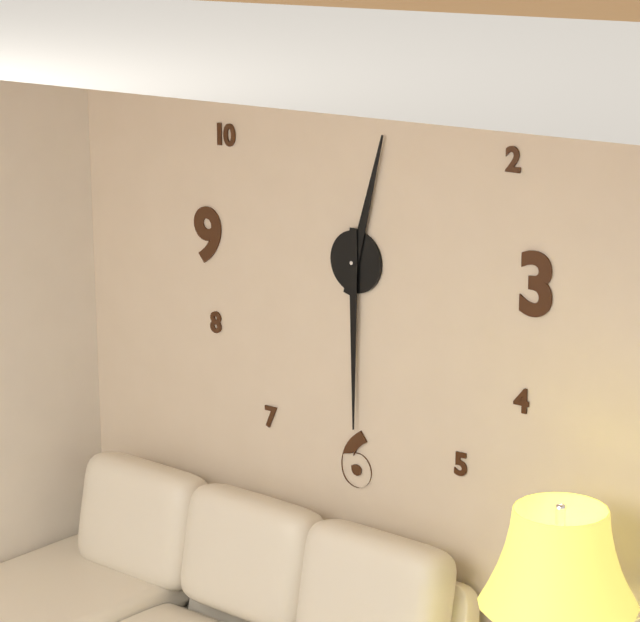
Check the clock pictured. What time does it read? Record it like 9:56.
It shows 12:30
